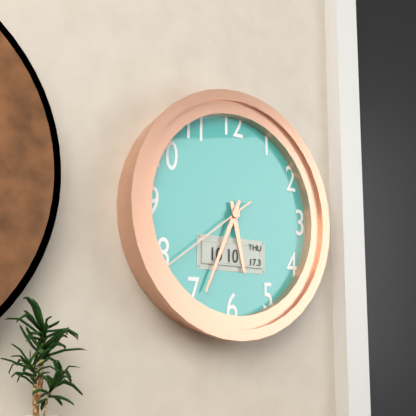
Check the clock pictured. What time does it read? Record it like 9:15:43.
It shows 5:34:39
